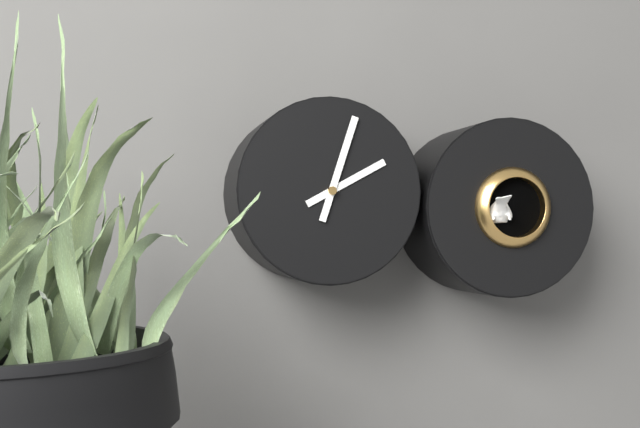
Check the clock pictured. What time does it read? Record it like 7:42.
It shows 2:03
